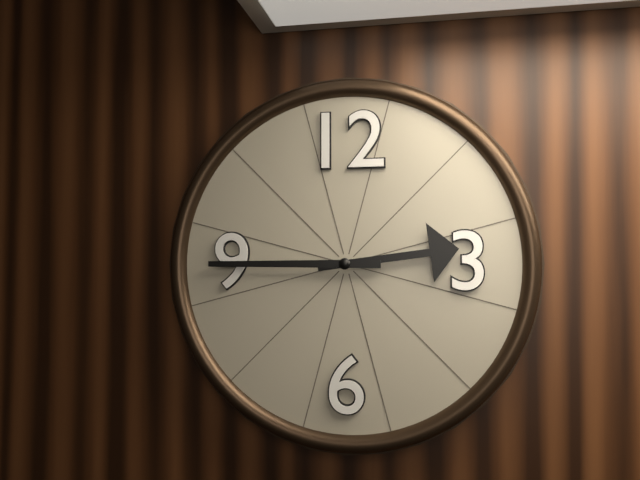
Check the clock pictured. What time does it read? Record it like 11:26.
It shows 2:45
